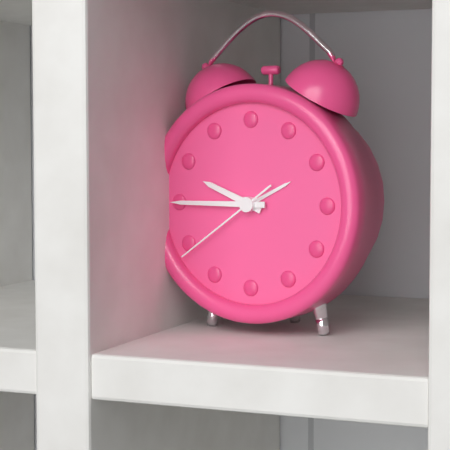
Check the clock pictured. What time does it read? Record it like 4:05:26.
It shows 9:45:39
